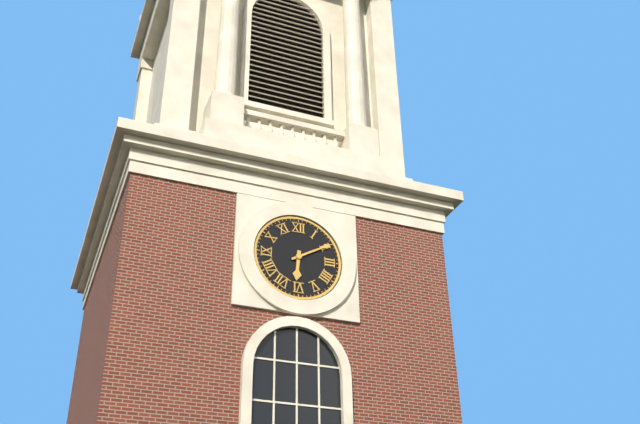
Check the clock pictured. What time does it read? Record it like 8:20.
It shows 6:10
